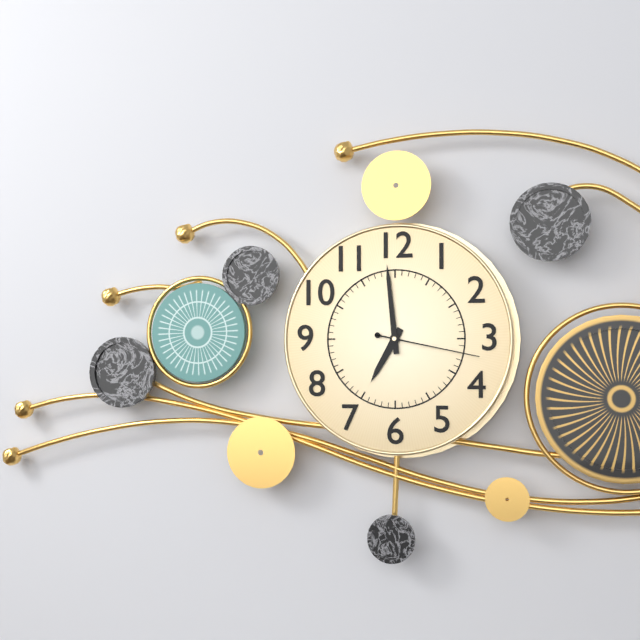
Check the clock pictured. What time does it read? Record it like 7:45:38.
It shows 6:59:17
